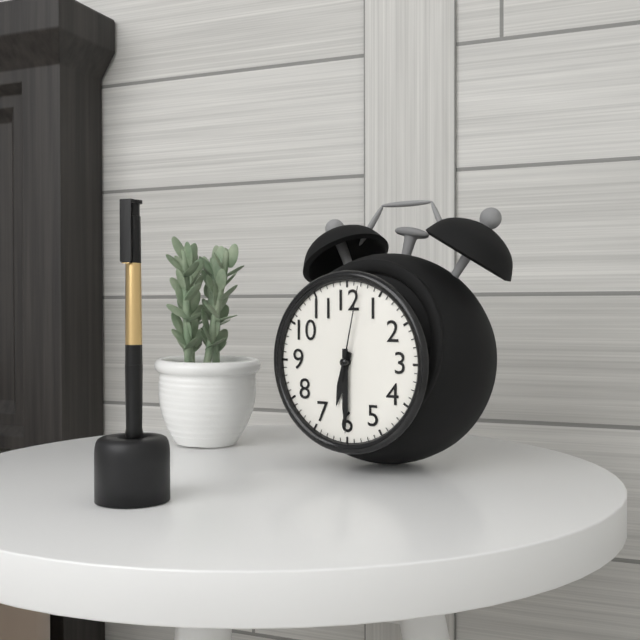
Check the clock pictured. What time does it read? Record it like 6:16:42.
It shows 6:30:02
